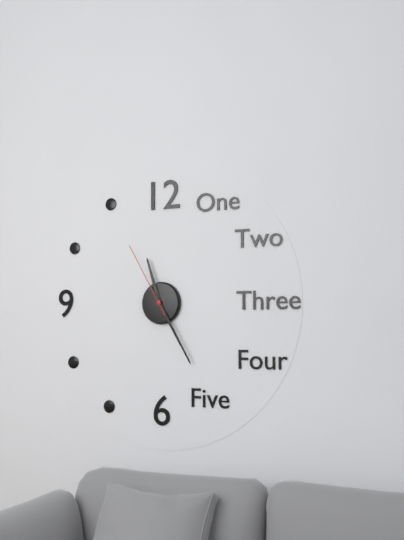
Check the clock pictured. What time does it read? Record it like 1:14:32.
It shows 11:25:55
